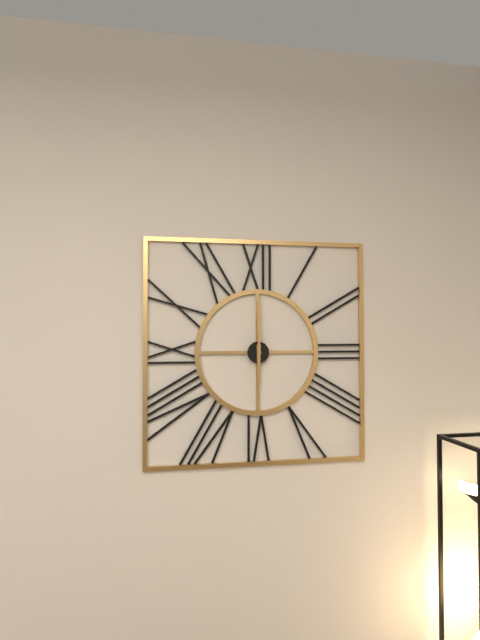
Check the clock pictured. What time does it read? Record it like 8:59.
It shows 6:00
